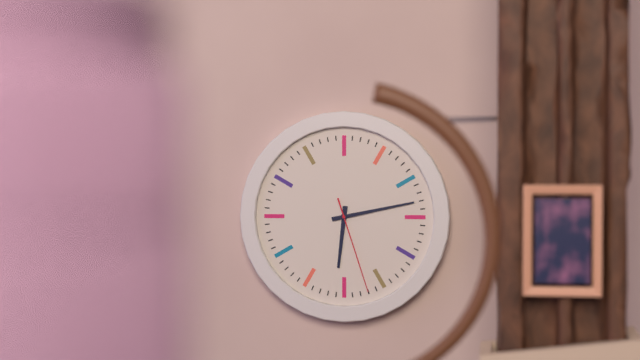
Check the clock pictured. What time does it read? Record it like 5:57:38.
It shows 6:13:27
